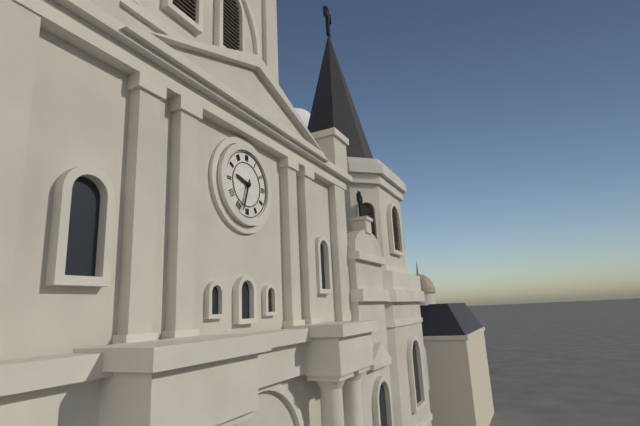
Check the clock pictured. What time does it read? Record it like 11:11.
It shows 9:33
